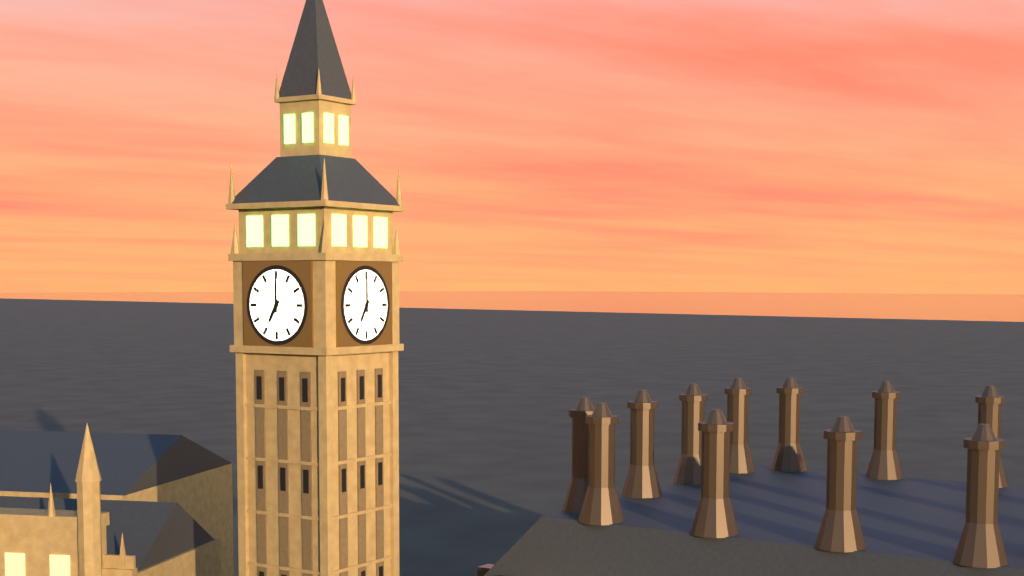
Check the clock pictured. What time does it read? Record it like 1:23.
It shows 7:00
